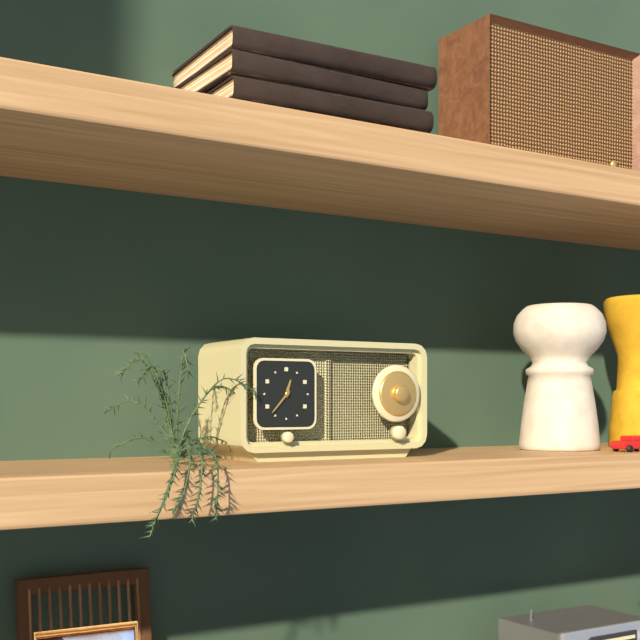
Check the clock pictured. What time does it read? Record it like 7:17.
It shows 12:37
